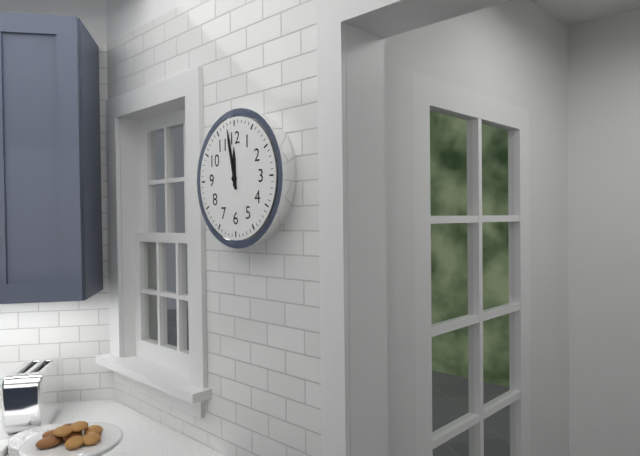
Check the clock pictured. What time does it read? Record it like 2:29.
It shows 11:58
